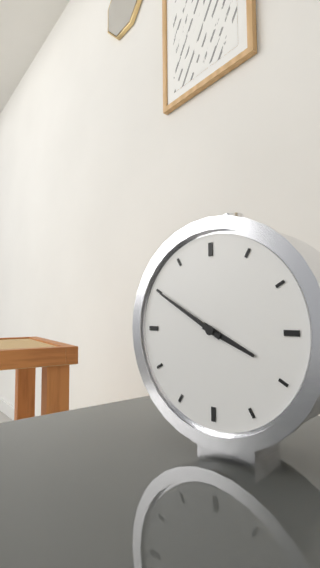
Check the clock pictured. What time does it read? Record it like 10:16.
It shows 3:50
